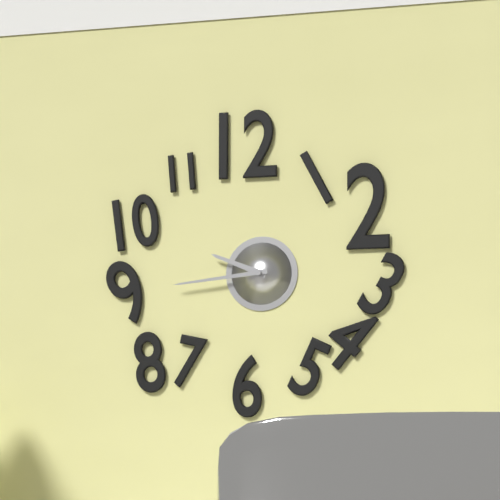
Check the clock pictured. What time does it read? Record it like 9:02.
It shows 9:44
